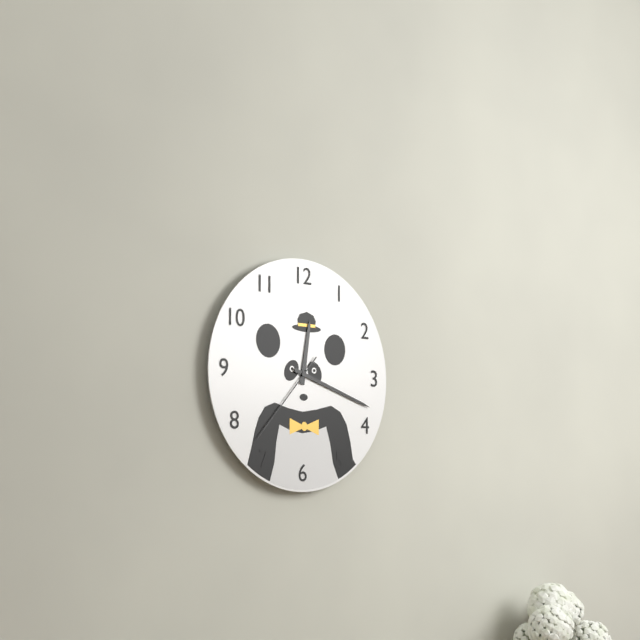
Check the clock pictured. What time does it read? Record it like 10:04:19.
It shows 12:18:37
